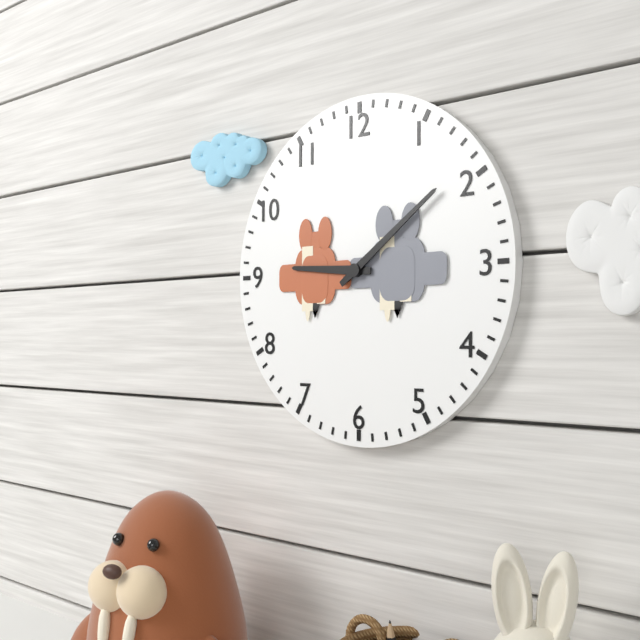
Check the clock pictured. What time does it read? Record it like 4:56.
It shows 9:09
